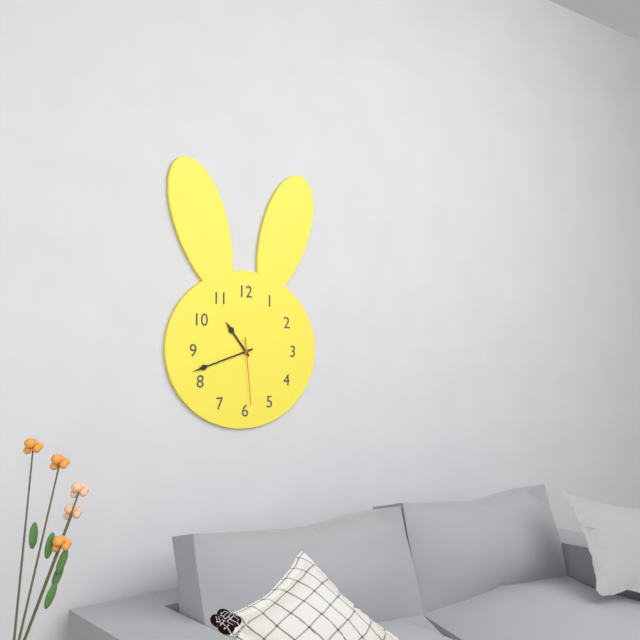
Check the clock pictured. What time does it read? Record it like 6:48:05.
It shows 10:42:29
